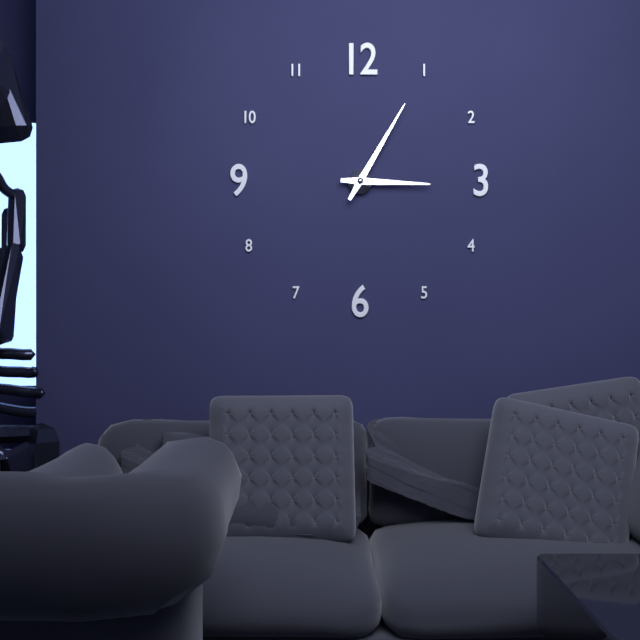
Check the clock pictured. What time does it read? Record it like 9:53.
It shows 3:05
